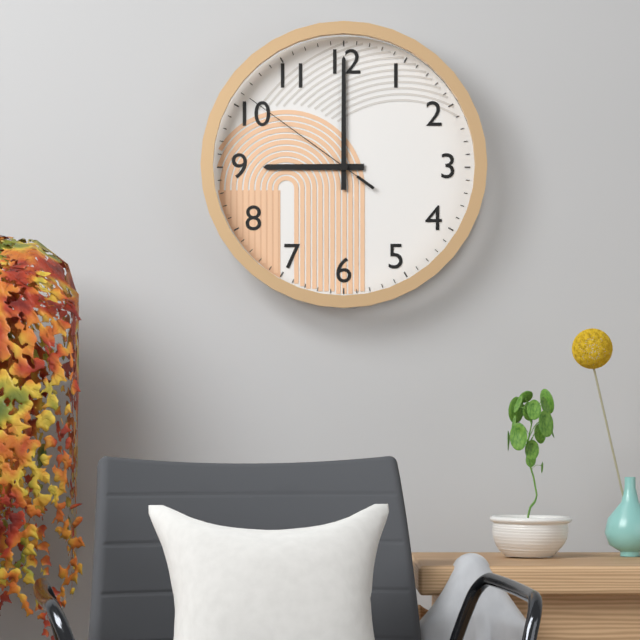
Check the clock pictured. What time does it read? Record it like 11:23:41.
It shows 9:00:51
